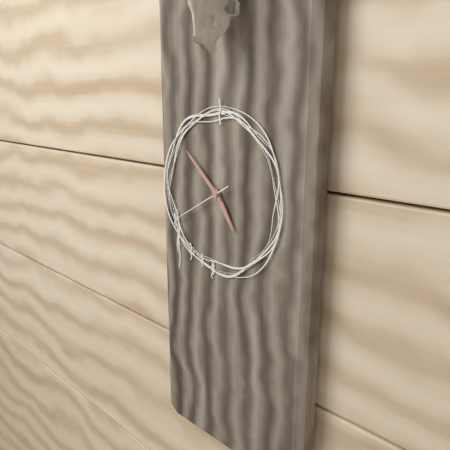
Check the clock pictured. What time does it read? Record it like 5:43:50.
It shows 4:52:40
